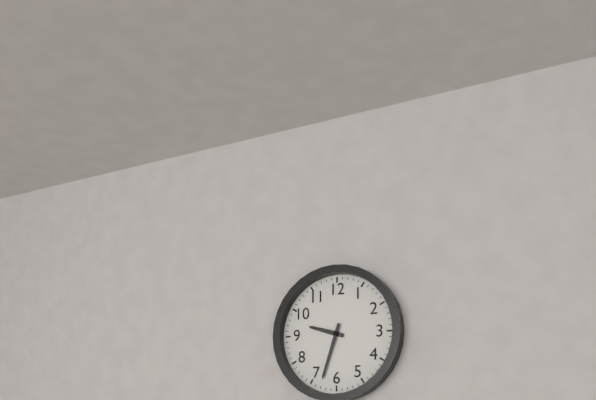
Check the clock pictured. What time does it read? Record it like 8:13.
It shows 9:33
